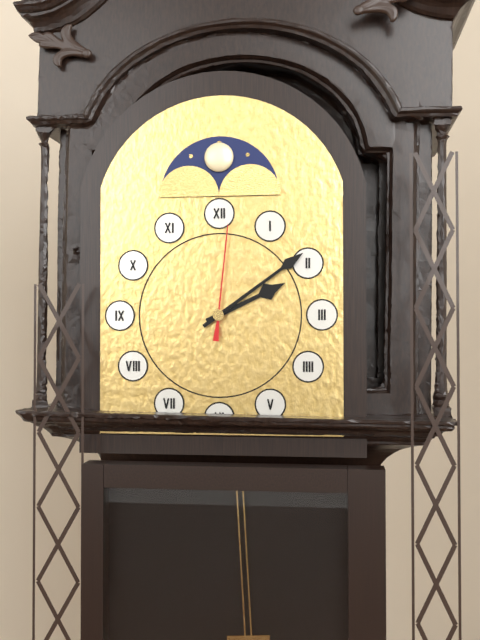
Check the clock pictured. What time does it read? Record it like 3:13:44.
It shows 2:09:01
